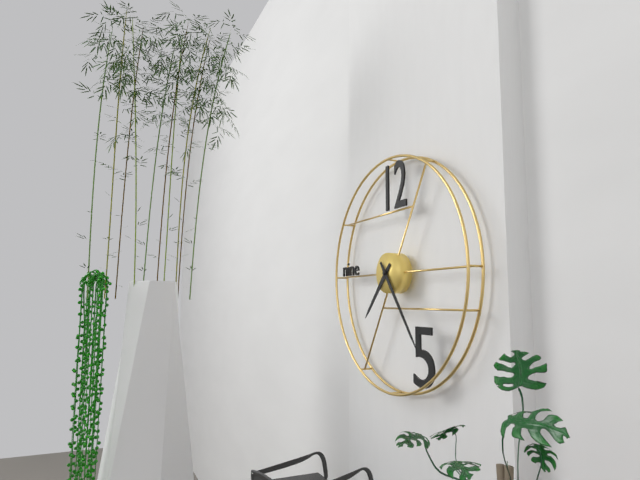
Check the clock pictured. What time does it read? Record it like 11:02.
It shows 7:24
